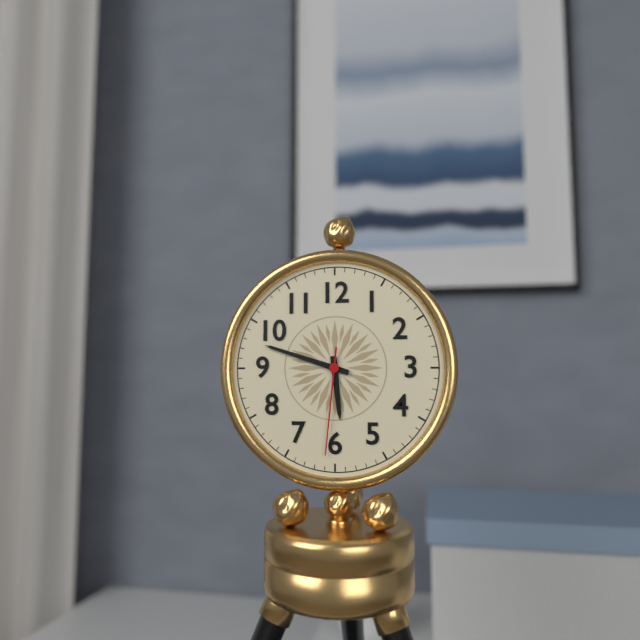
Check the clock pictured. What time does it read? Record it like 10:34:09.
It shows 5:48:31
